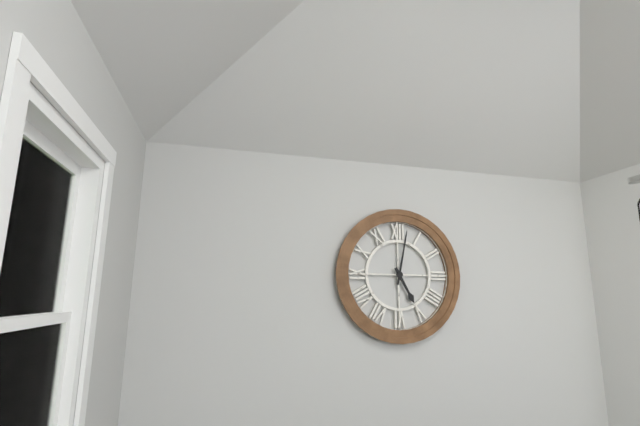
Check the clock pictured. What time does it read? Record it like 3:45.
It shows 5:02
